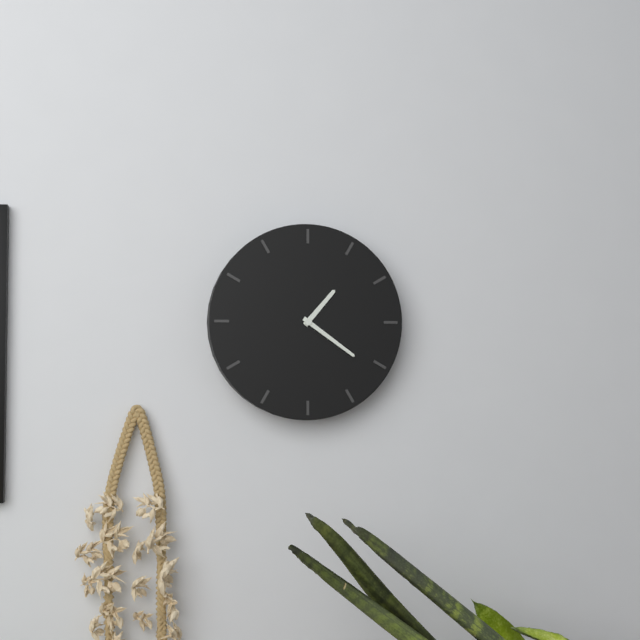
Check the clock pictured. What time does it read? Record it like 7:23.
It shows 1:21
